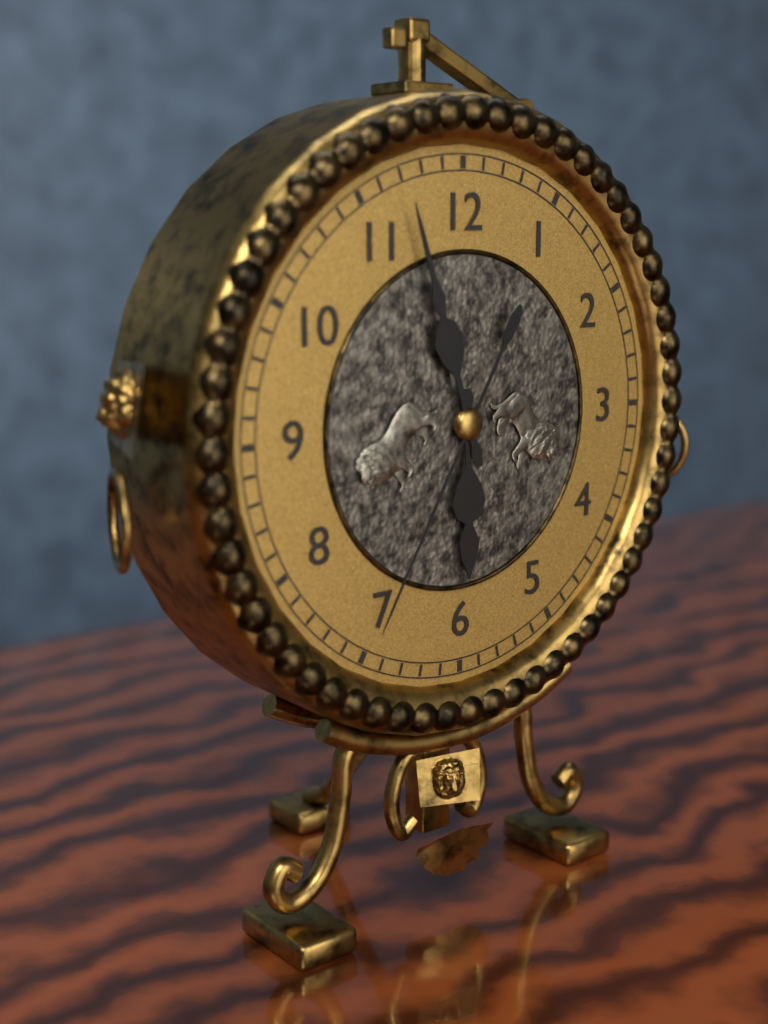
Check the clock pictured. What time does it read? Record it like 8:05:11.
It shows 5:57:35
